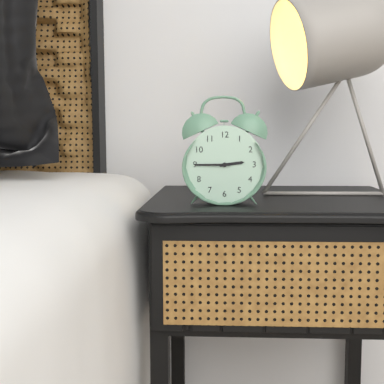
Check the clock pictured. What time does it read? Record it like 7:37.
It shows 2:45
